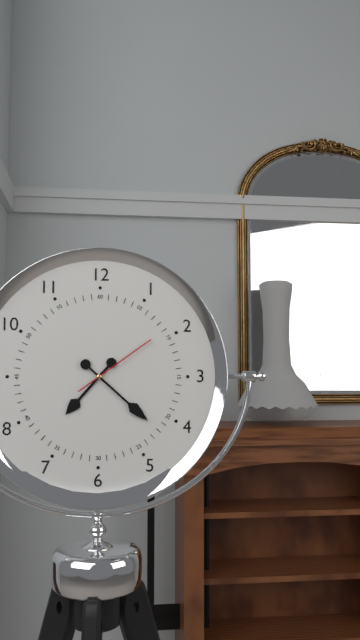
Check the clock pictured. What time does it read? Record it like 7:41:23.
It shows 7:22:09
